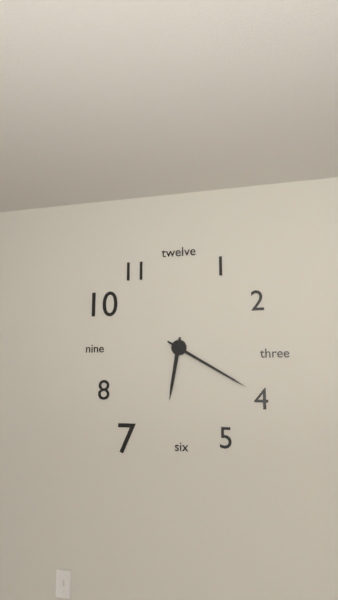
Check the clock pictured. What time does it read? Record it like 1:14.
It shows 6:20
